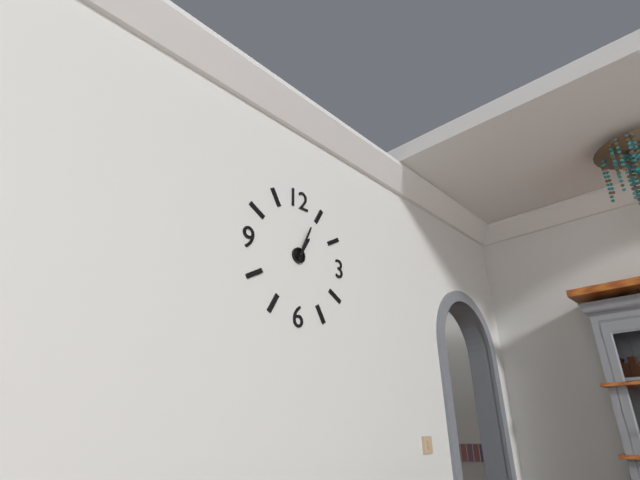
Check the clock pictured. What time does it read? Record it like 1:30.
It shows 1:04
